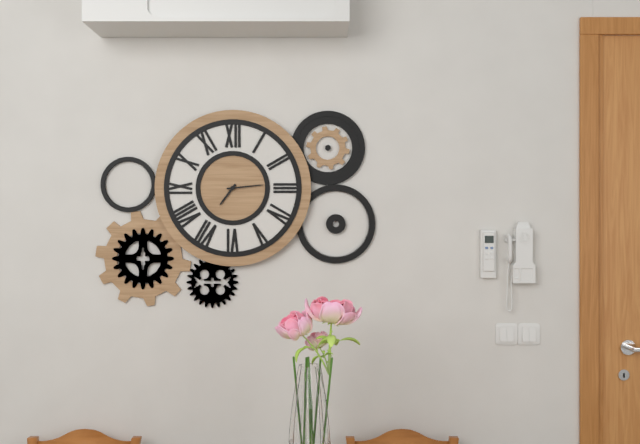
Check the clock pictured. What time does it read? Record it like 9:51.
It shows 7:14
